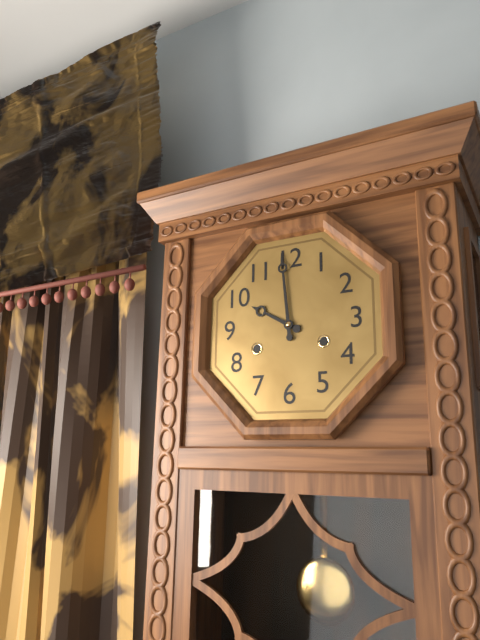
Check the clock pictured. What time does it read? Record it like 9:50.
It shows 9:59
